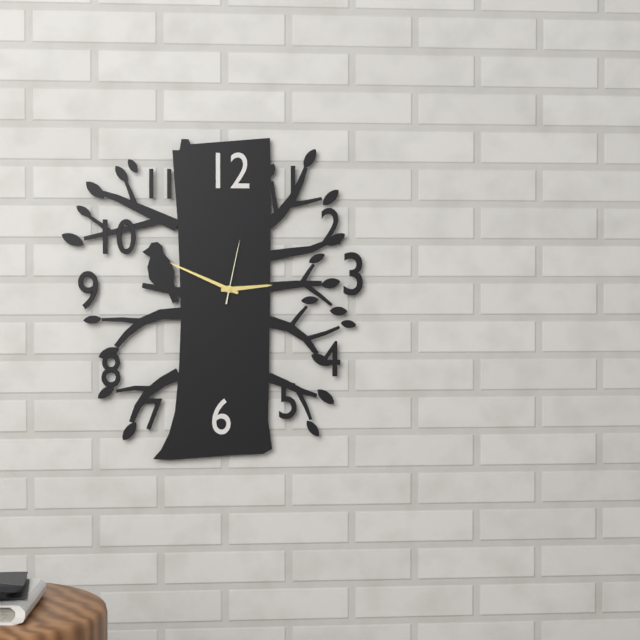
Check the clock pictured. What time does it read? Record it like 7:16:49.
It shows 2:49:02
